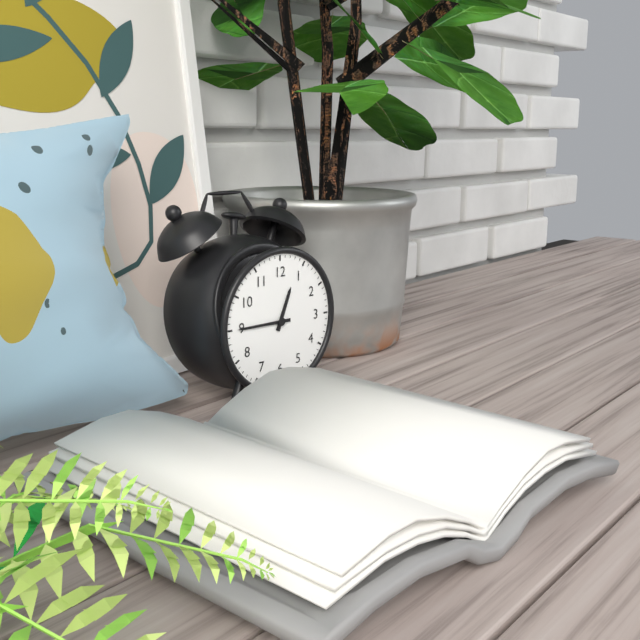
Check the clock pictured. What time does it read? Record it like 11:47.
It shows 12:45
